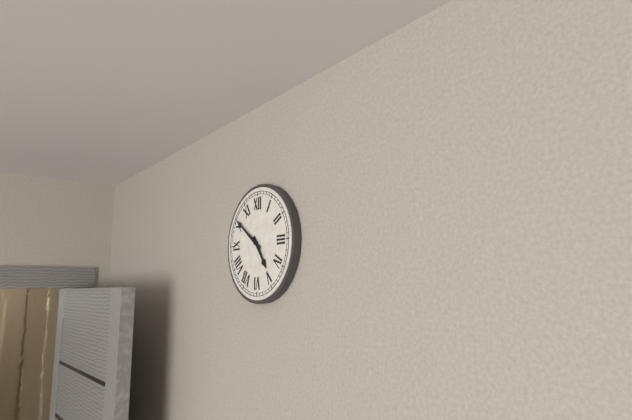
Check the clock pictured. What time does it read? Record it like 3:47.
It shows 4:51
